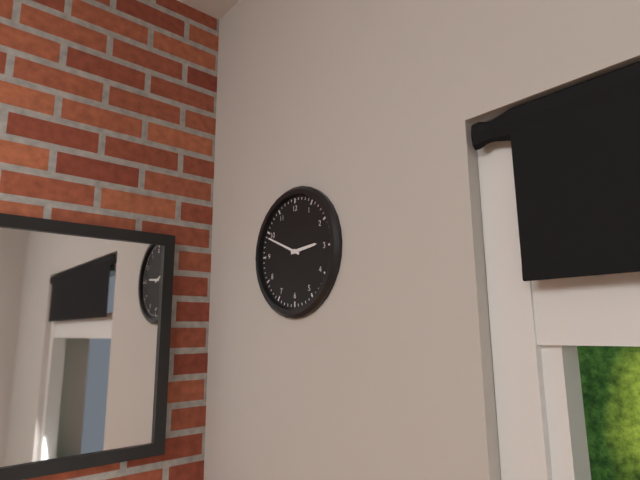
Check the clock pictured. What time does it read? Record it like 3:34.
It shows 2:49
